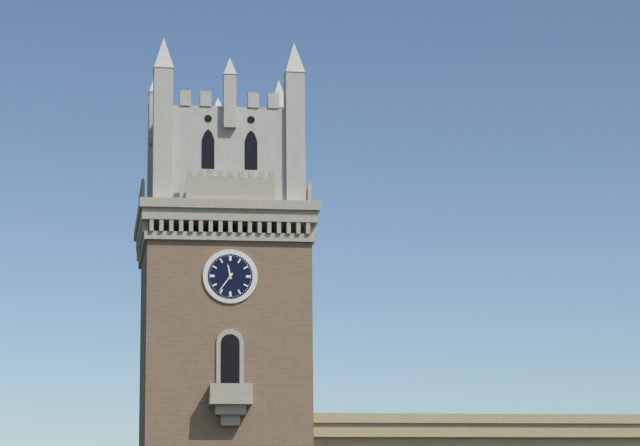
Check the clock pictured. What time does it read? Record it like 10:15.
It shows 11:36
